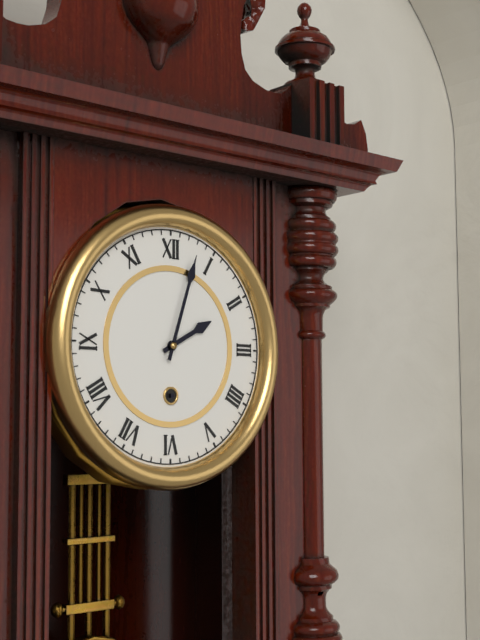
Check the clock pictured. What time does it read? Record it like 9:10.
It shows 2:03
